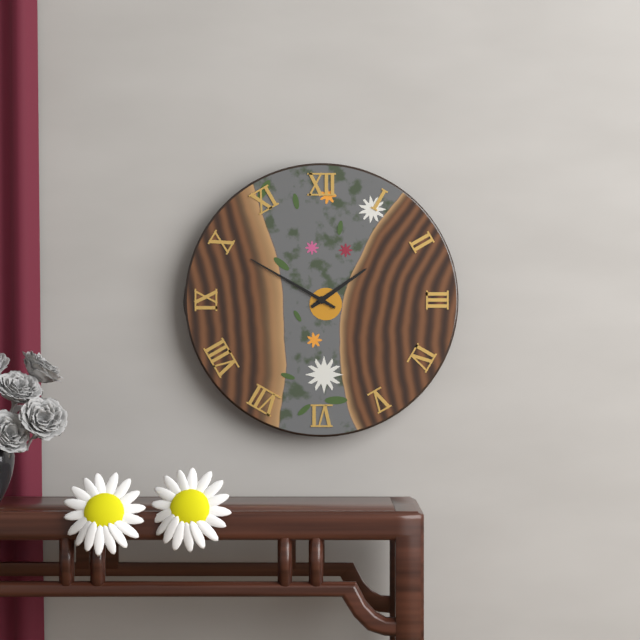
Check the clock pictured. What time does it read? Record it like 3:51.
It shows 1:50
